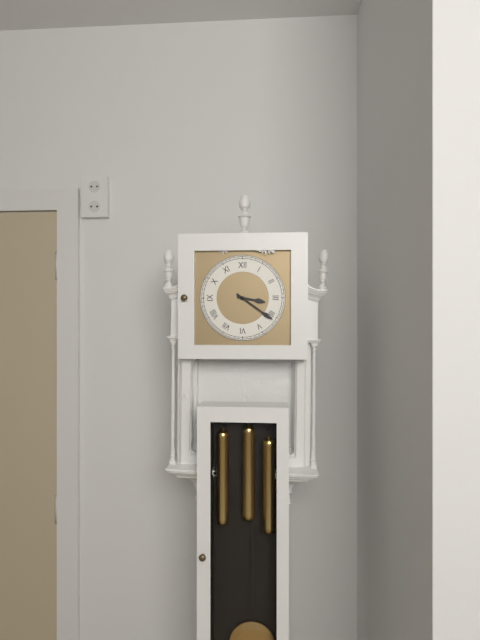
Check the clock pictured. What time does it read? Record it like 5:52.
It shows 3:21
